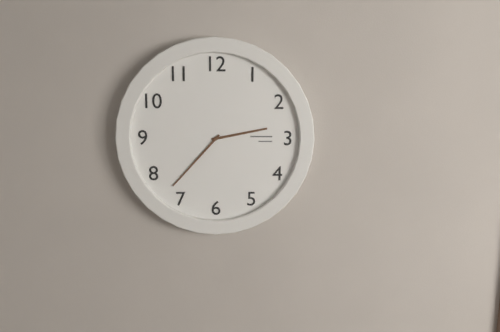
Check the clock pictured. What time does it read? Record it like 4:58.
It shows 2:37
